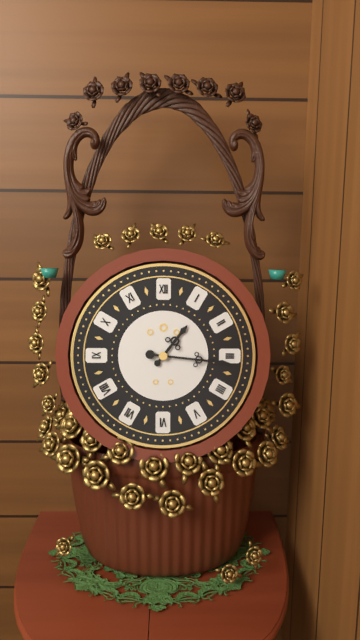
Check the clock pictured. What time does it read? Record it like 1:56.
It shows 1:16
